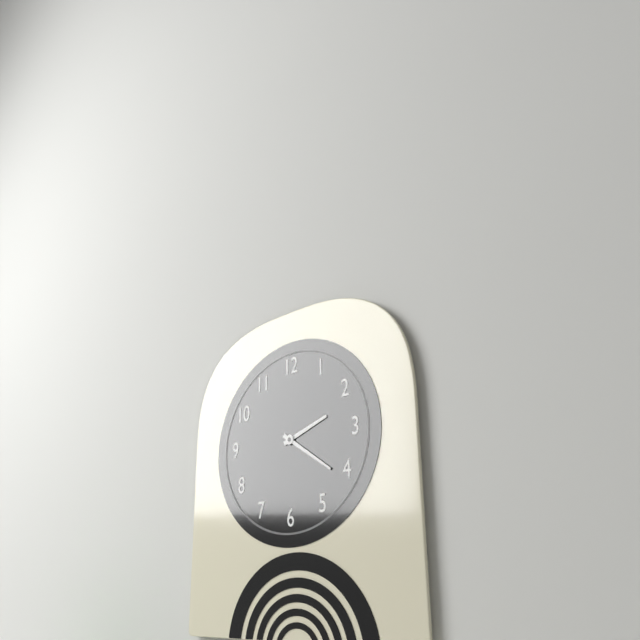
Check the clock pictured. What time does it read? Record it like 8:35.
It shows 2:21
